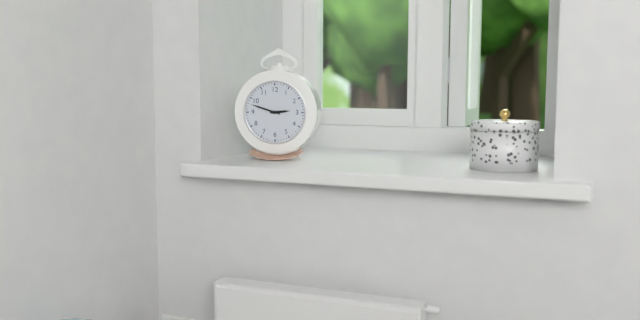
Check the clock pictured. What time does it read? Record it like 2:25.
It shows 2:48
